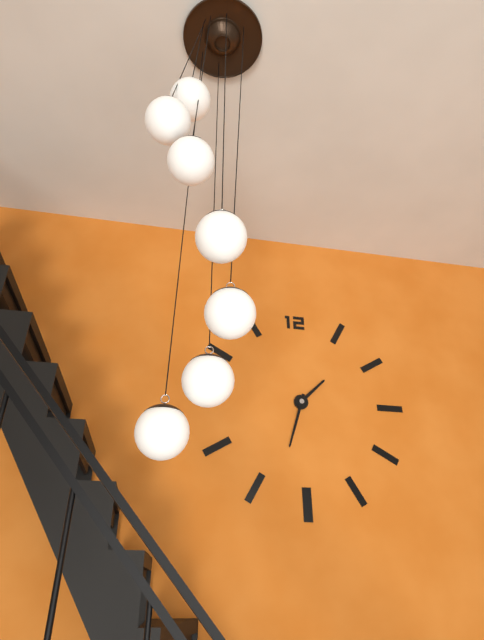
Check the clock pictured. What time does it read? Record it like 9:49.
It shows 1:33
